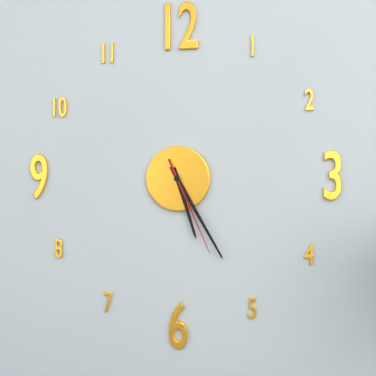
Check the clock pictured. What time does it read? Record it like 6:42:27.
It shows 5:25:26
